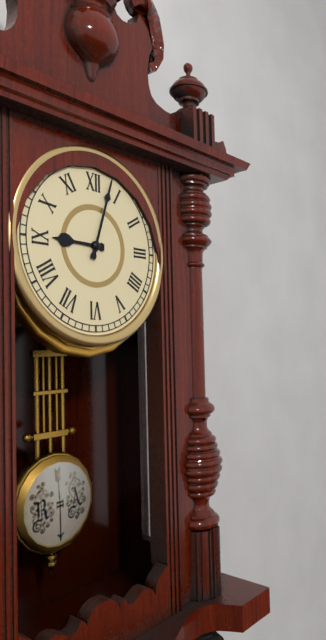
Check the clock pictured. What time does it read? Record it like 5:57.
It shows 9:03
